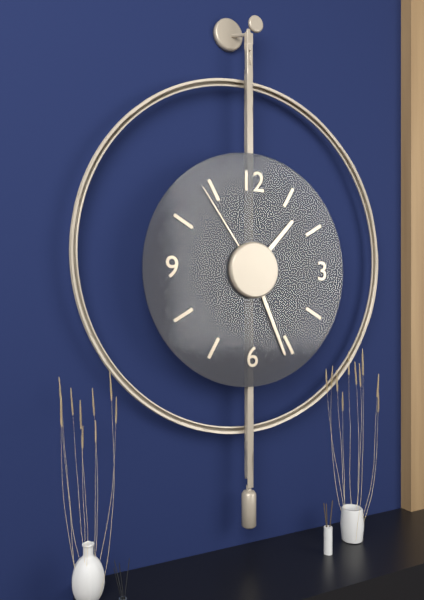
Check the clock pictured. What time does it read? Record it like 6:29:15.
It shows 1:26:54
